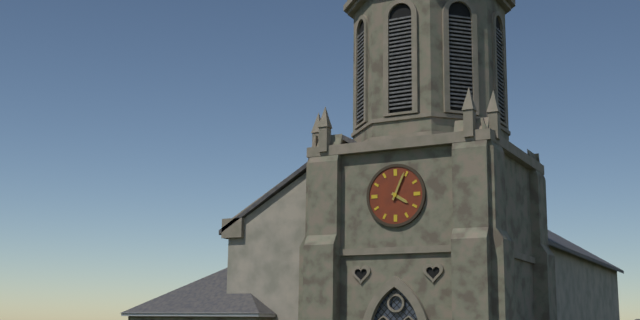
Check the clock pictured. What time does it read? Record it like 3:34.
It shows 4:04
